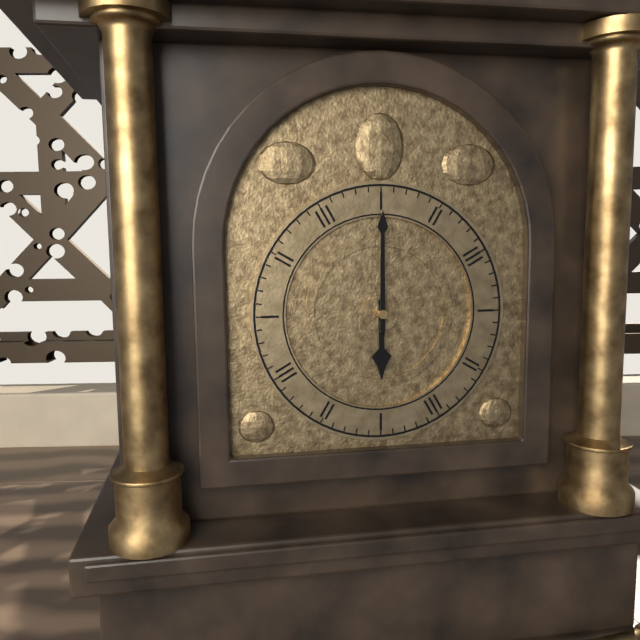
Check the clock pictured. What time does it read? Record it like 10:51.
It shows 6:00
